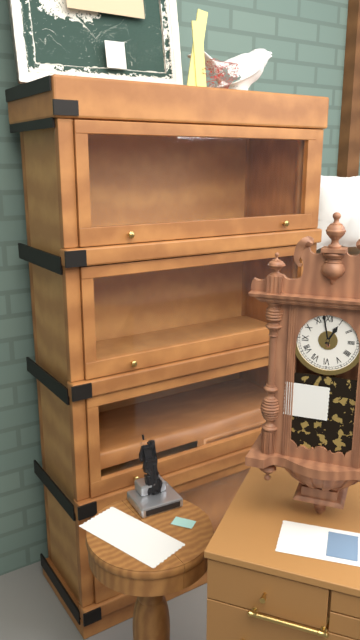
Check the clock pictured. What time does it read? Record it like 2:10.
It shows 12:58
